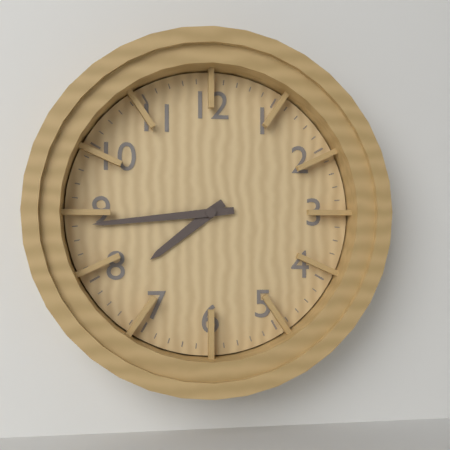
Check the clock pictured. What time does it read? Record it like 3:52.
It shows 7:44
